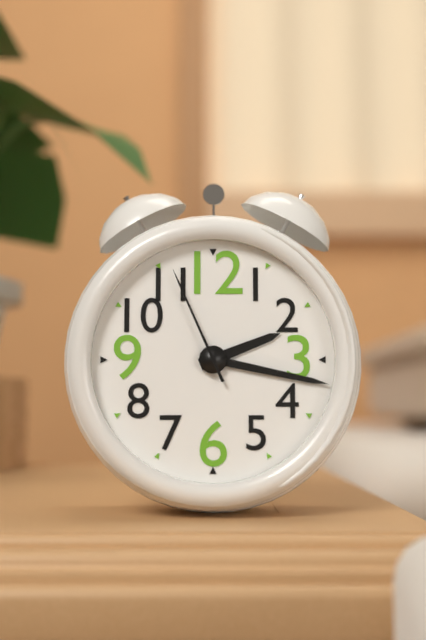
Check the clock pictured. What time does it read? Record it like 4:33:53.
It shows 2:17:56
